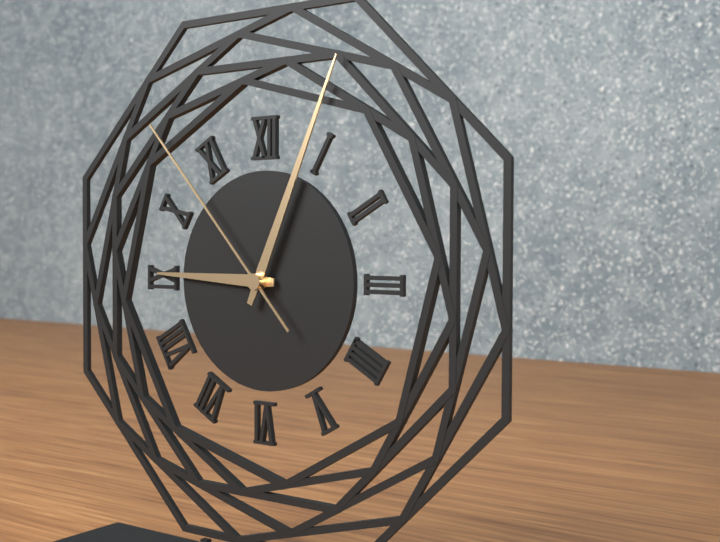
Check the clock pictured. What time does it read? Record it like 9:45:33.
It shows 9:04:53
